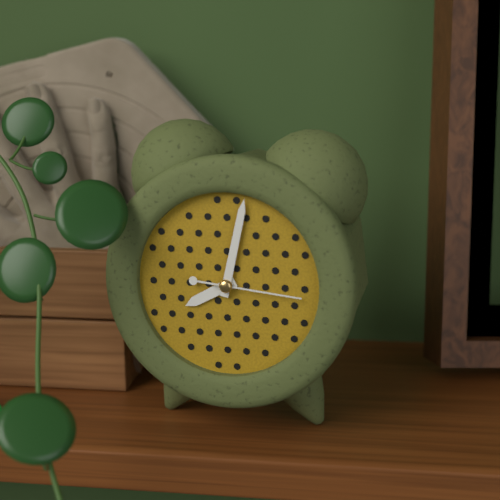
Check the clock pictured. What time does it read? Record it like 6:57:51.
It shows 8:02:16
